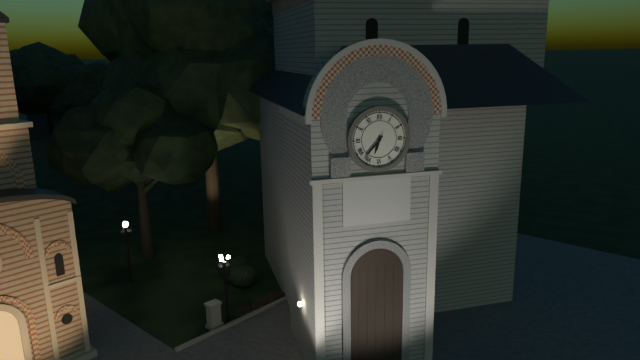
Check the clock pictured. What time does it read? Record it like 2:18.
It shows 6:37
